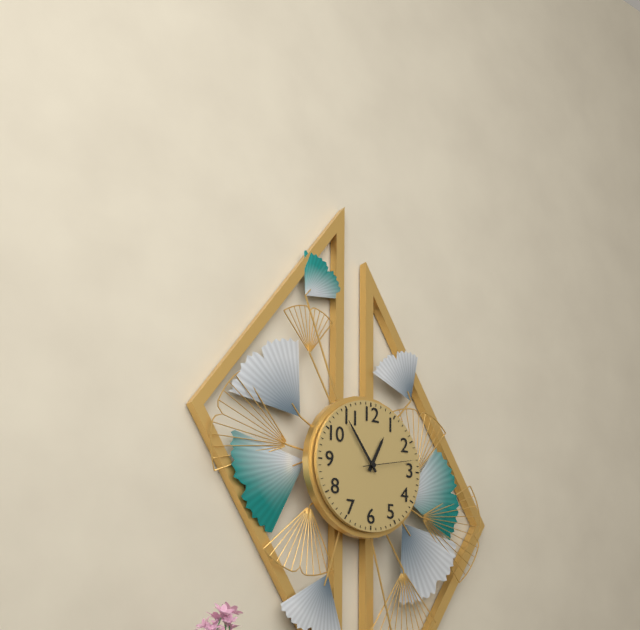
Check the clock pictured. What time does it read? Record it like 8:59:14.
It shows 12:54:13
